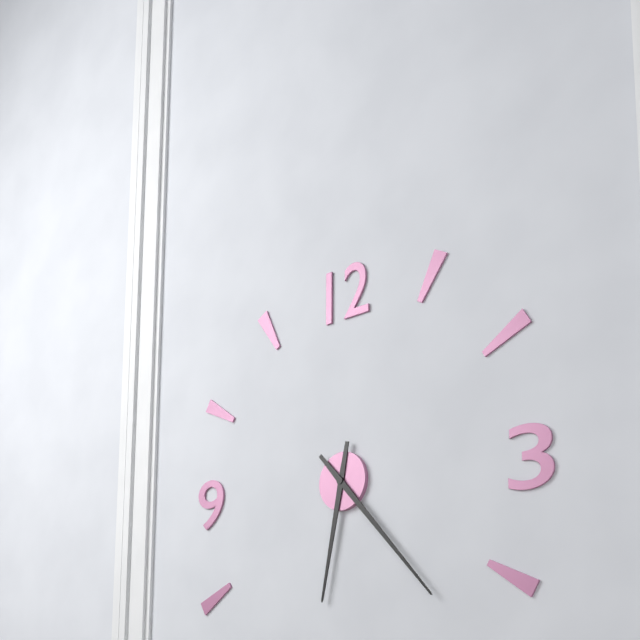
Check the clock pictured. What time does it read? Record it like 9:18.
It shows 6:23
